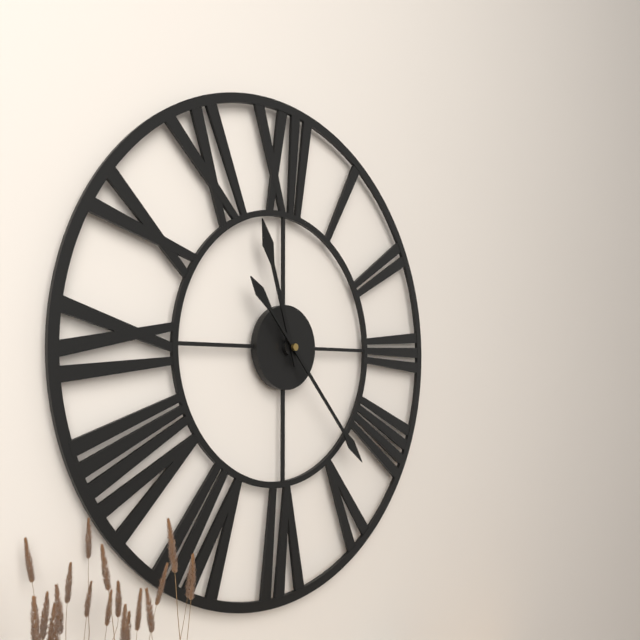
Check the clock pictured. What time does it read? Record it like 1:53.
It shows 11:23
